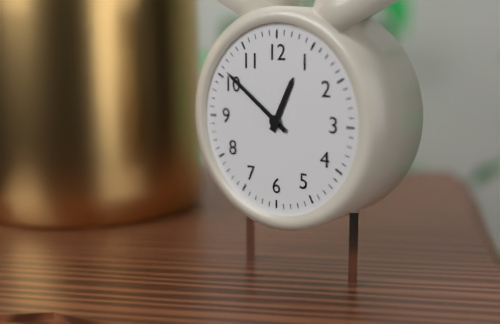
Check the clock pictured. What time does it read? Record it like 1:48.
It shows 12:51
